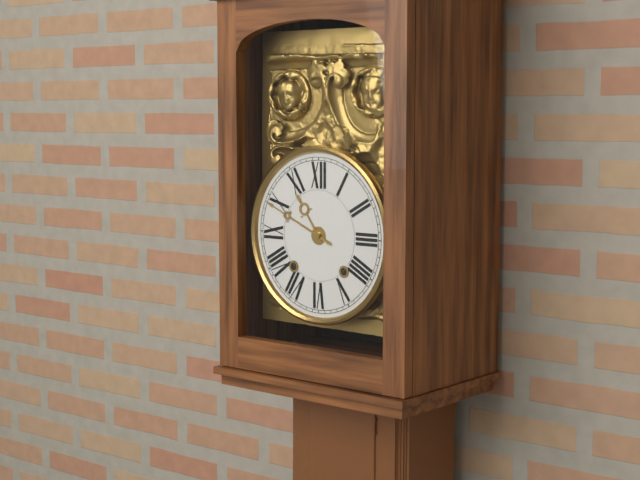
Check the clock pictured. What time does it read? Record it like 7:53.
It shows 10:49
